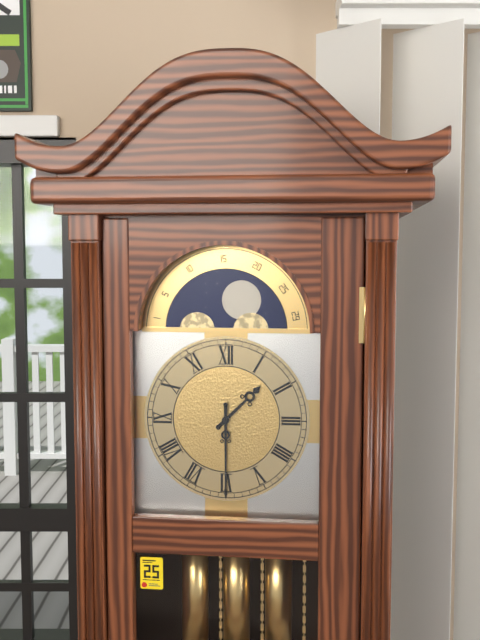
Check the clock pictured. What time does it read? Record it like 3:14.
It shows 1:30
